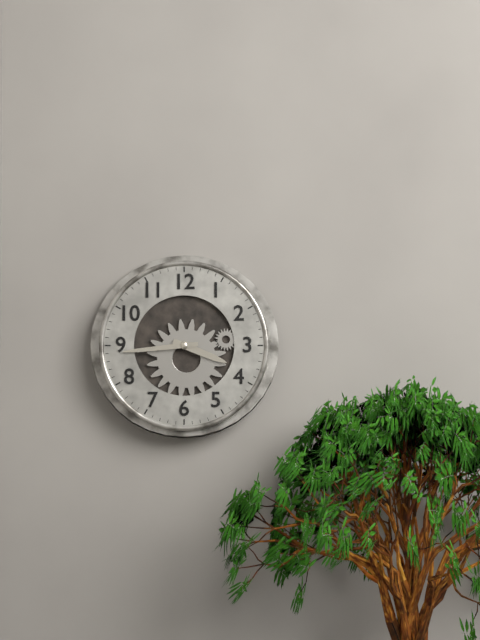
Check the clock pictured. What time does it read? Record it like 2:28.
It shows 3:44
